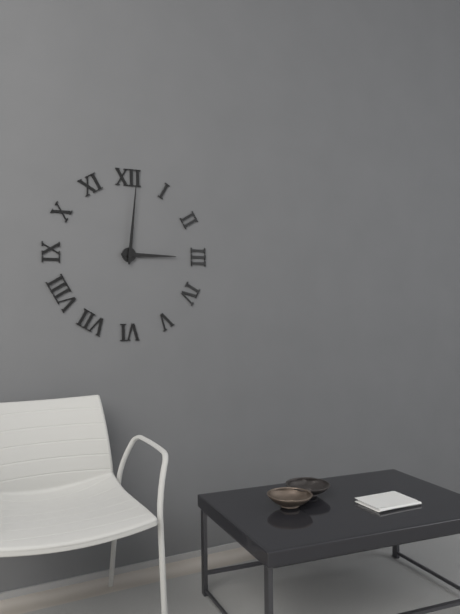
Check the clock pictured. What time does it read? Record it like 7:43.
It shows 3:01
